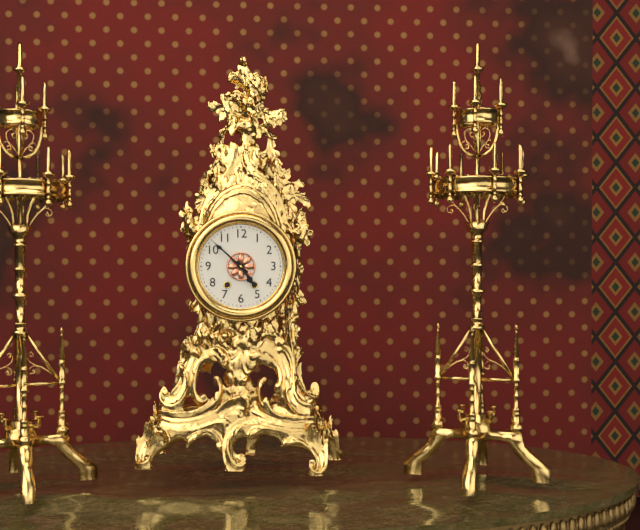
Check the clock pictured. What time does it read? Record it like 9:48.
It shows 4:52
